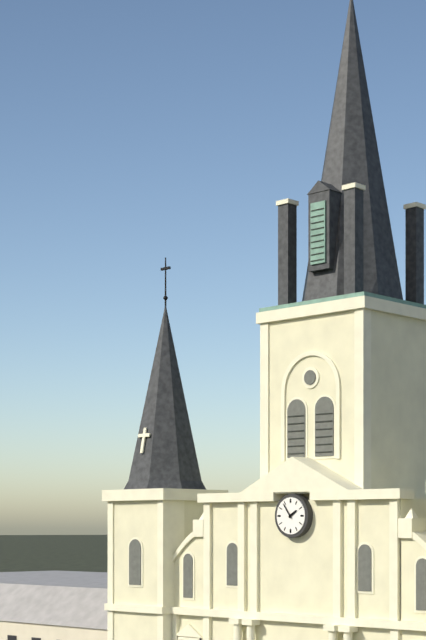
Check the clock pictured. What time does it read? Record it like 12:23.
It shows 1:54
